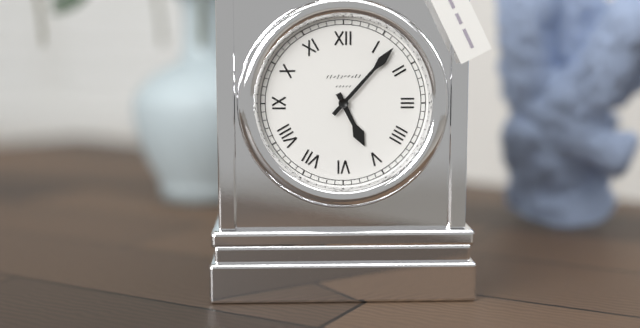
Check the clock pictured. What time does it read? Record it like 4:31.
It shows 5:07
